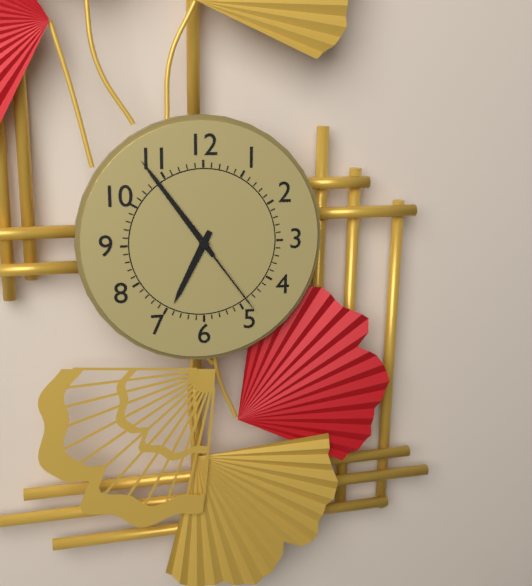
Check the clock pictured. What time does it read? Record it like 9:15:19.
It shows 6:54:24
